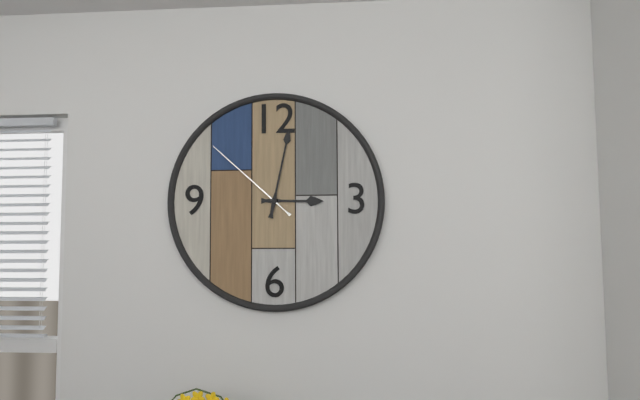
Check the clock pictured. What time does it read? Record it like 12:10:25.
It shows 3:02:52
